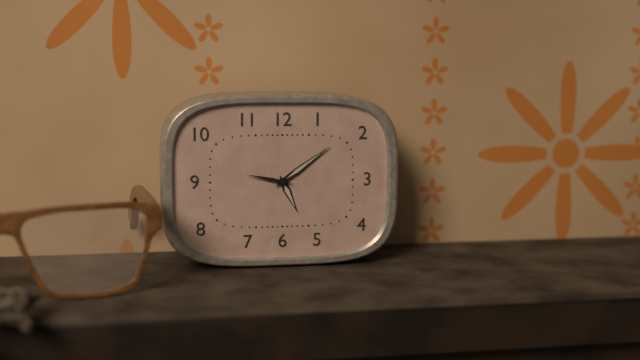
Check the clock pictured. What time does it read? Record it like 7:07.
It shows 5:09
